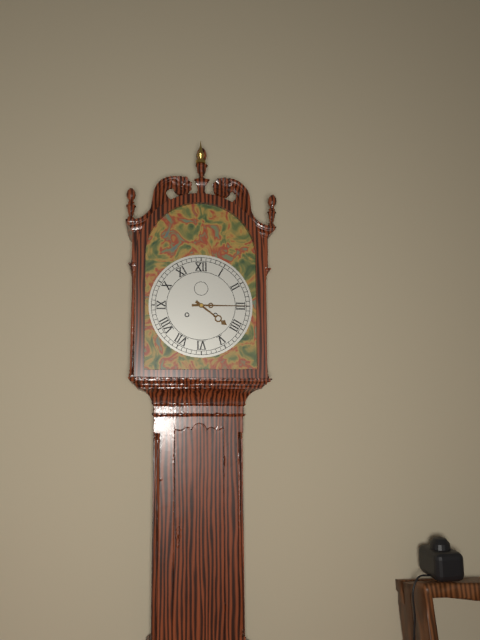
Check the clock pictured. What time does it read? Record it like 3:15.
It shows 4:15
